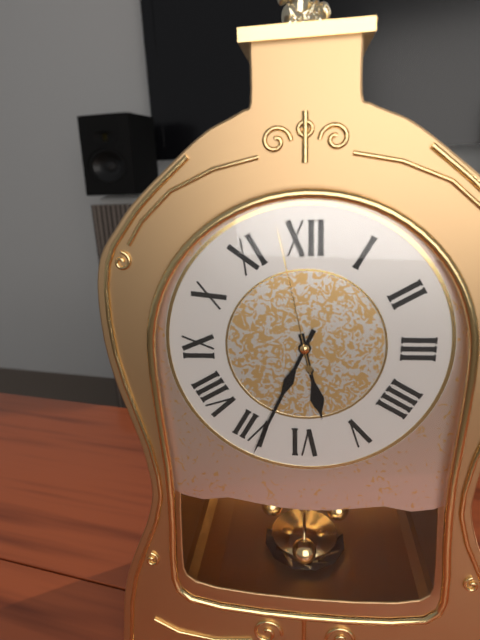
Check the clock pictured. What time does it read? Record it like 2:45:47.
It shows 5:34:58
